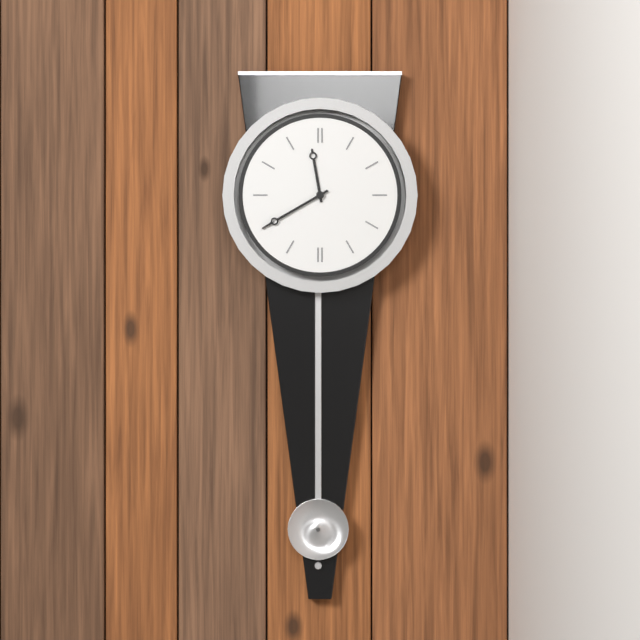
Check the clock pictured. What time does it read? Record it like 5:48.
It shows 11:40
